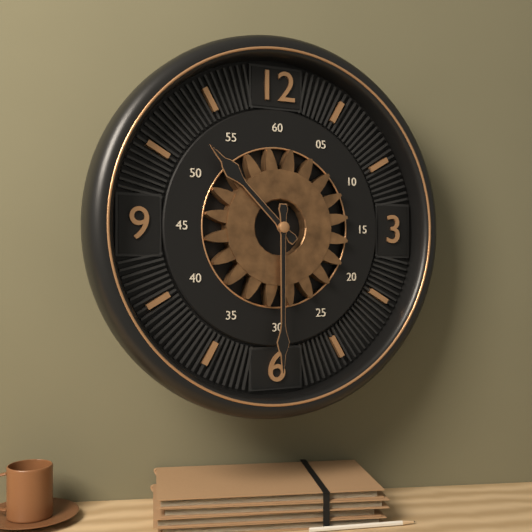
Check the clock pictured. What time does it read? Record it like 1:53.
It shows 10:30
